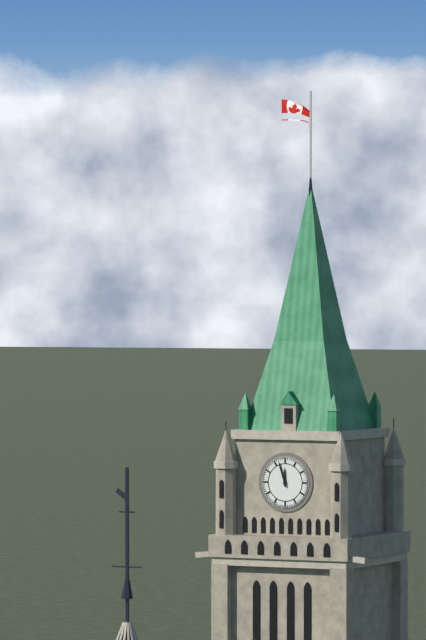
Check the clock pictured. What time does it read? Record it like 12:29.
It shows 11:57
